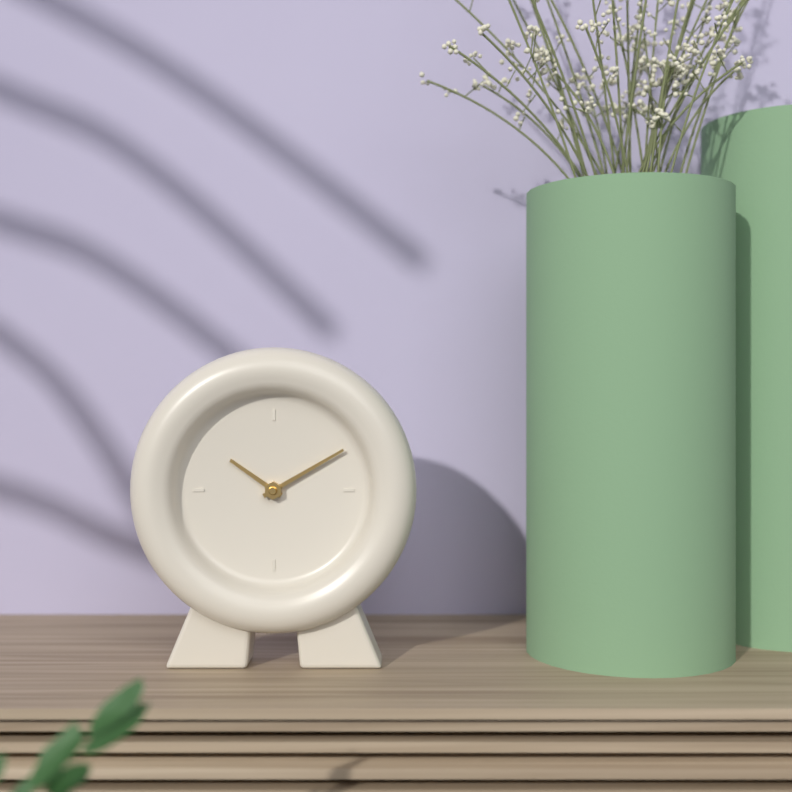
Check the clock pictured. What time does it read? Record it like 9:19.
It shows 10:10
